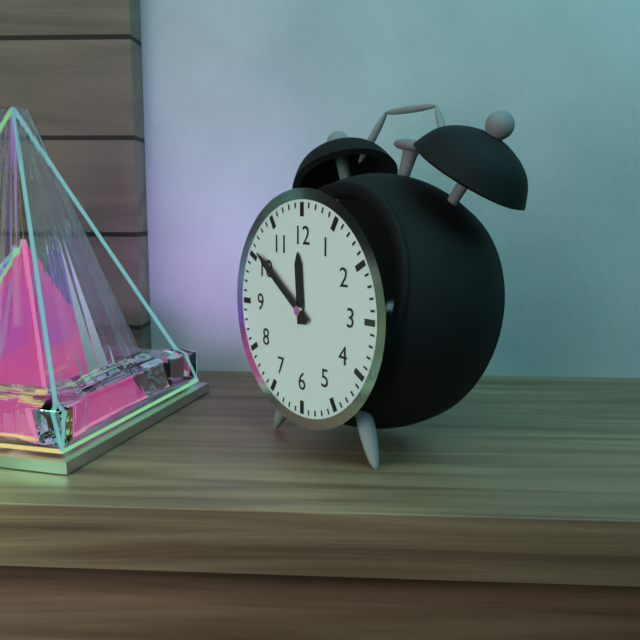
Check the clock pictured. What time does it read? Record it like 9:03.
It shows 11:51
